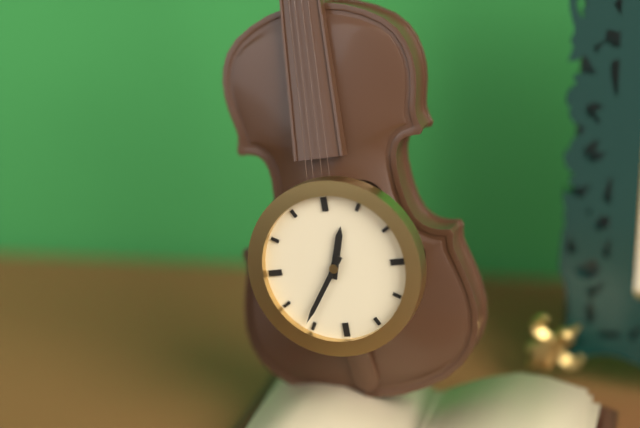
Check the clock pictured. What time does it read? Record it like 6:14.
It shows 12:36
